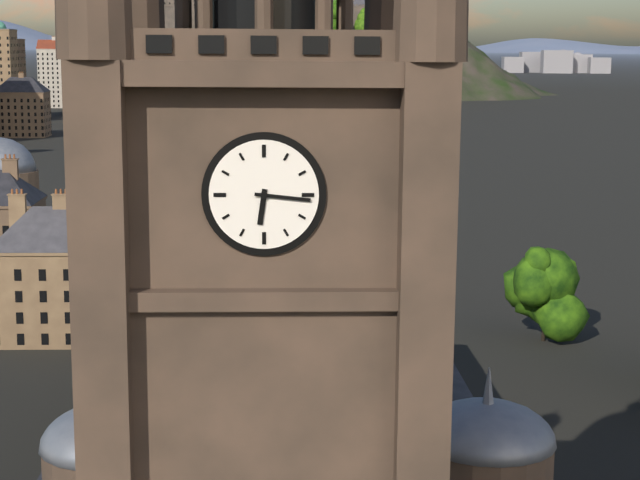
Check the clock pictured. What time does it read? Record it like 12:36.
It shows 6:16
